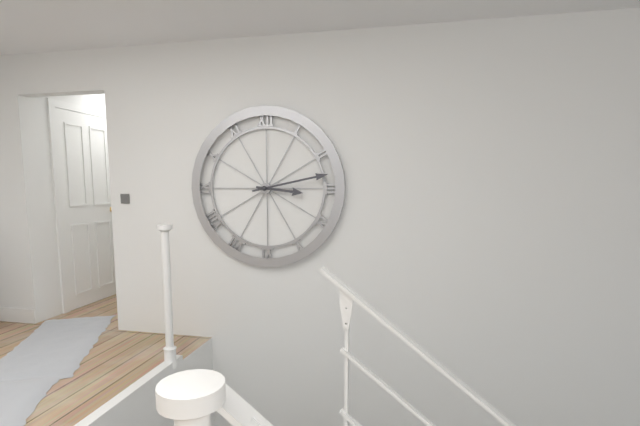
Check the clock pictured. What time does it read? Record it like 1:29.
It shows 3:13
